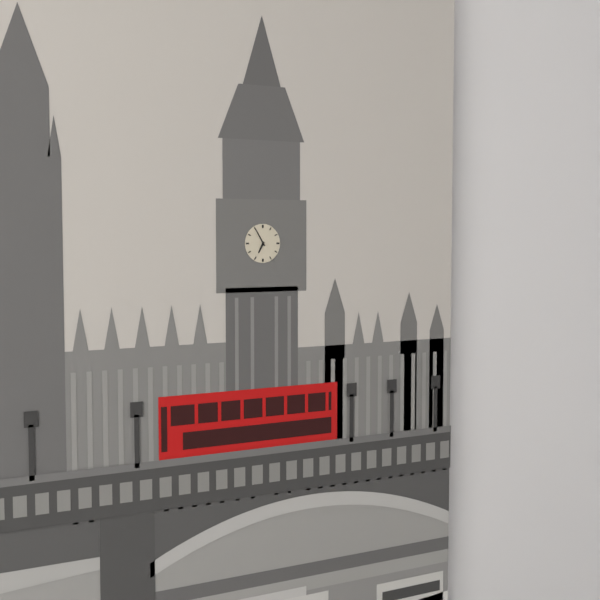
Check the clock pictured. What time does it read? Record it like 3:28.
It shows 6:55
